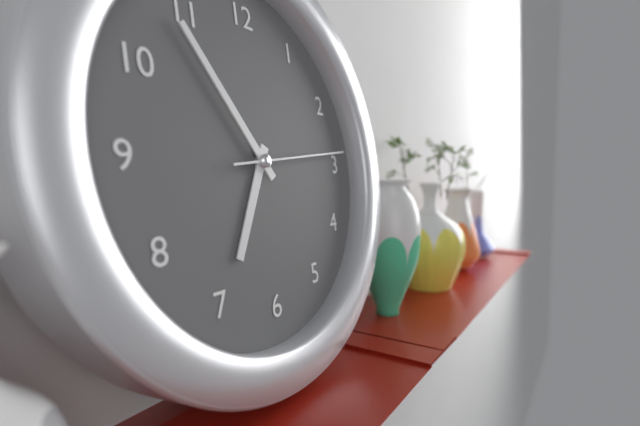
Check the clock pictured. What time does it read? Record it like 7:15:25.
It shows 6:54:14
